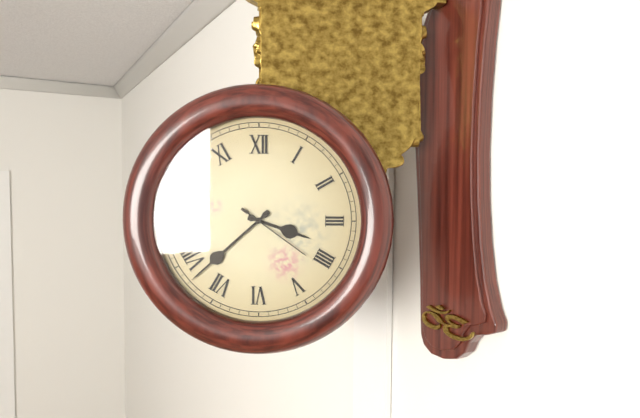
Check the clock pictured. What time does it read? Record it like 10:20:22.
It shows 3:38:21
